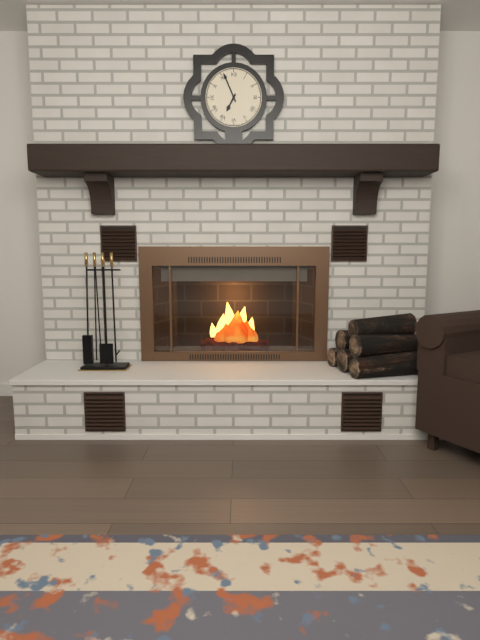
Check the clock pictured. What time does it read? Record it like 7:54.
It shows 6:56
